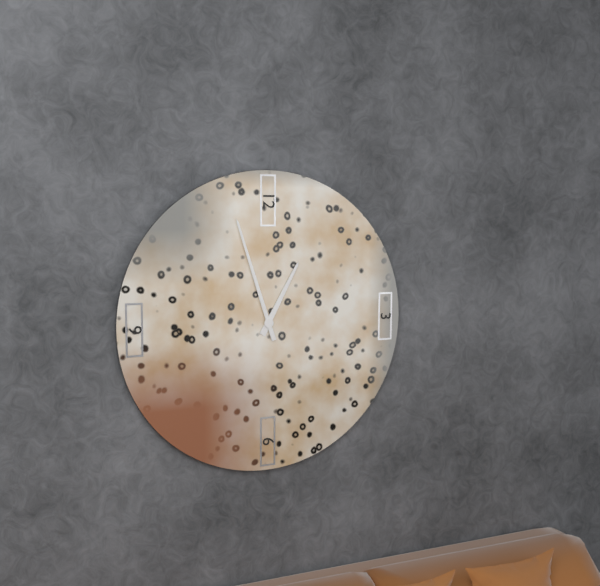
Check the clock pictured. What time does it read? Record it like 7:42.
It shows 12:57
